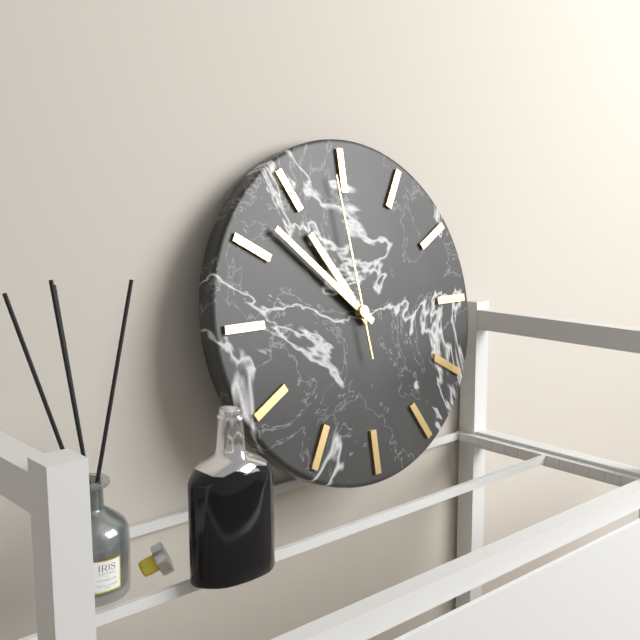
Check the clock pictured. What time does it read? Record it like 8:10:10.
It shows 10:52:59
